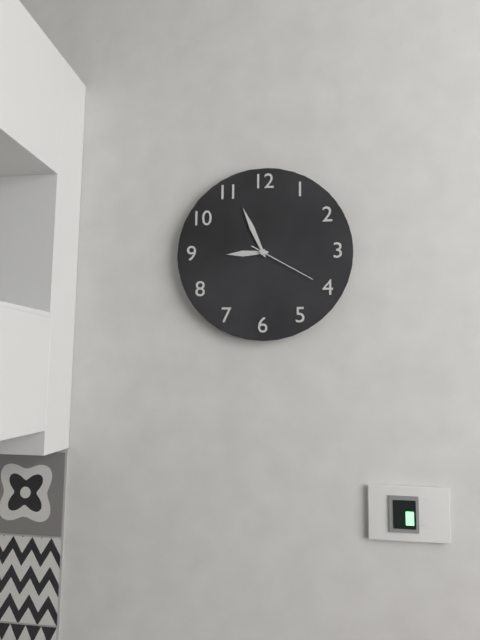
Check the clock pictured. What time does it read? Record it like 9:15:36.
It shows 8:56:20
